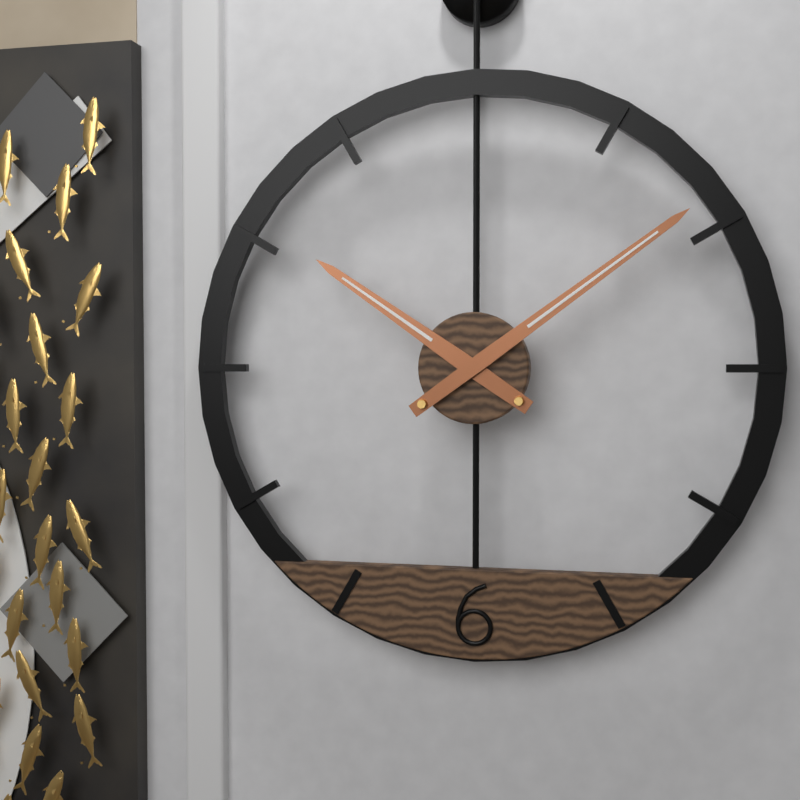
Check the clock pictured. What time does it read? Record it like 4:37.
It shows 10:09
